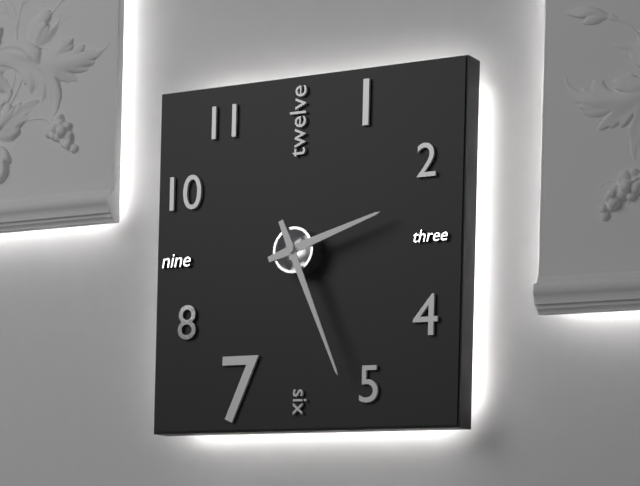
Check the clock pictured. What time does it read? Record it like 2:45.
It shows 2:26
